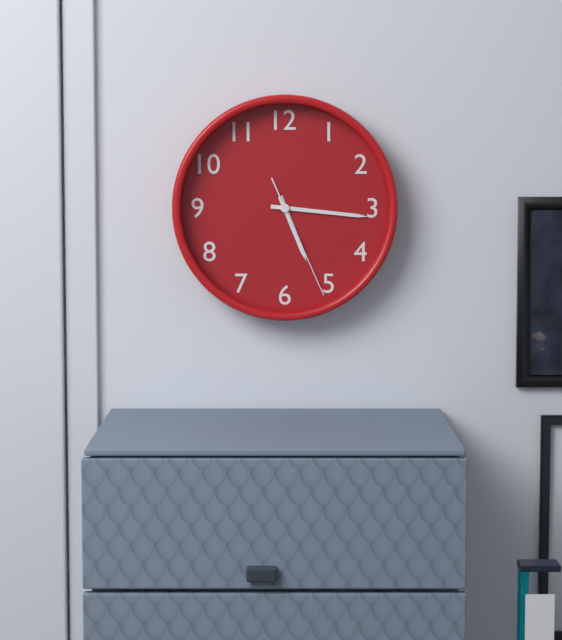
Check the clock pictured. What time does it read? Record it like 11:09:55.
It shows 5:16:26
